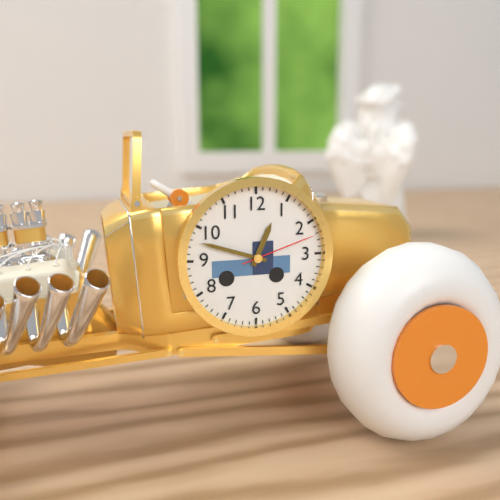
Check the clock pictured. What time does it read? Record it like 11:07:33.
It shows 12:48:12
